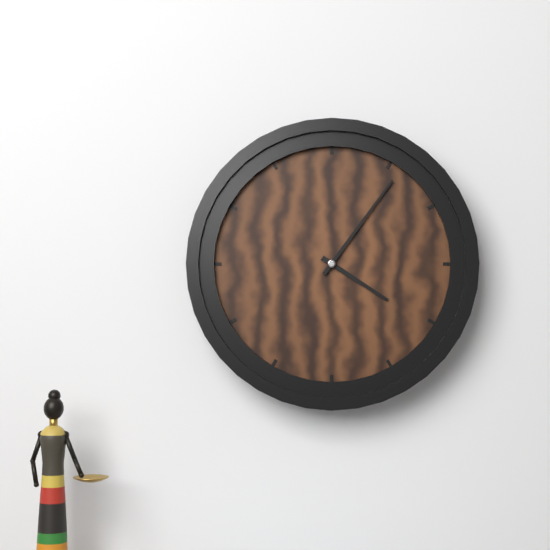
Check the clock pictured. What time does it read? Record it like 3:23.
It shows 4:06
